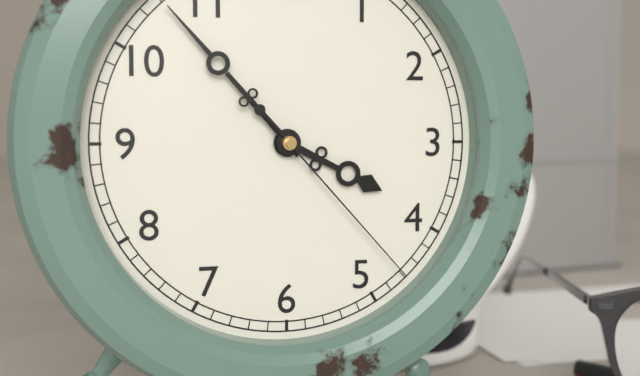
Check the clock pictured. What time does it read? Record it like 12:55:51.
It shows 3:53:23
